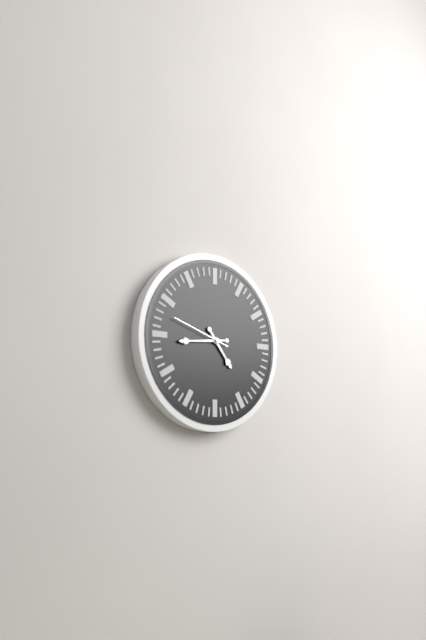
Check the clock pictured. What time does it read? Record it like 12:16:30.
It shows 4:44:48
